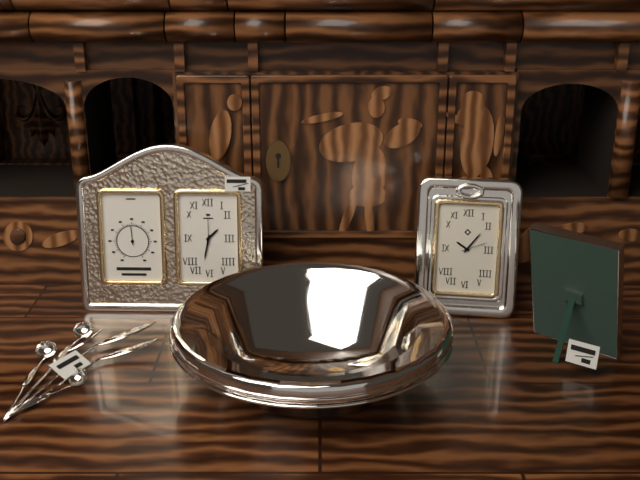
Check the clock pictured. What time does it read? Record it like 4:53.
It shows 1:32
